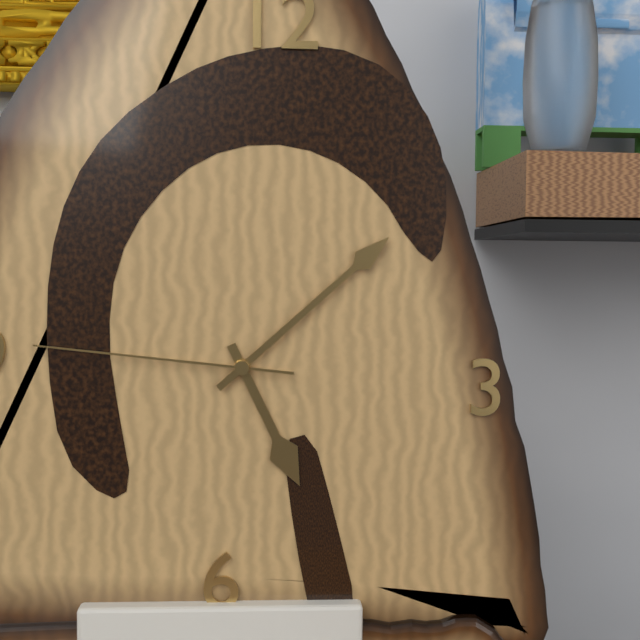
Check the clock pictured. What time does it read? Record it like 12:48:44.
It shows 5:08:46
